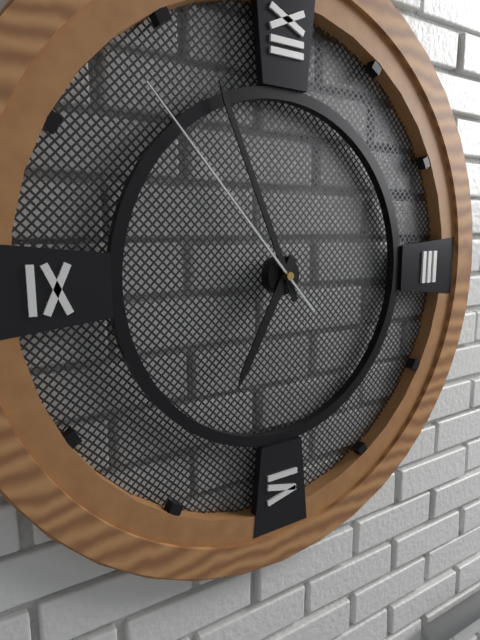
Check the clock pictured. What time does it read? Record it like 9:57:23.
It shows 6:56:53
